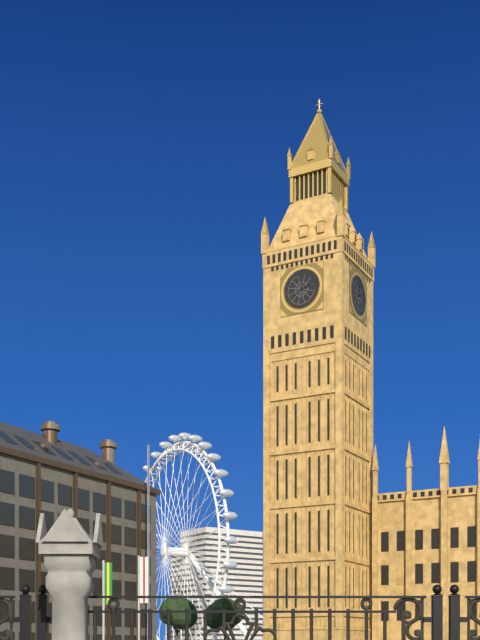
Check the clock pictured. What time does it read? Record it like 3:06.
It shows 12:12
